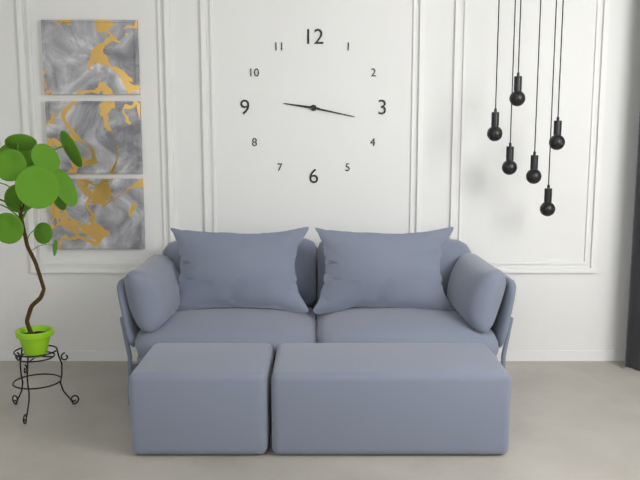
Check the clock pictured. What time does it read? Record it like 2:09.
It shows 9:17
